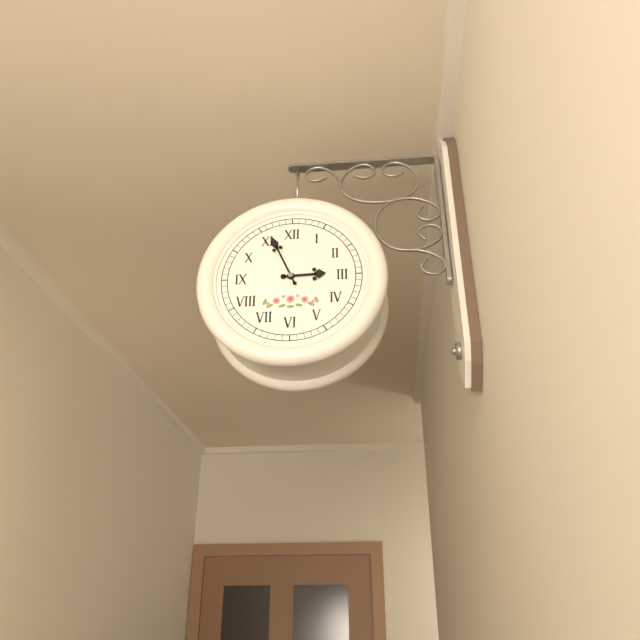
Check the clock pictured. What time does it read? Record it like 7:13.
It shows 2:56
